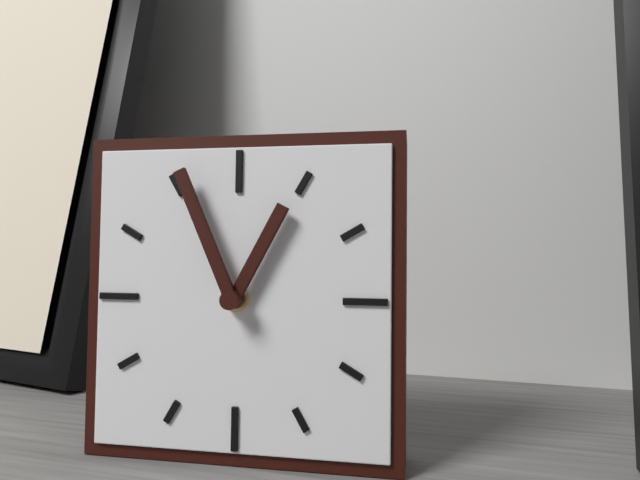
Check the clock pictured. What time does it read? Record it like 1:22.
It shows 12:56
